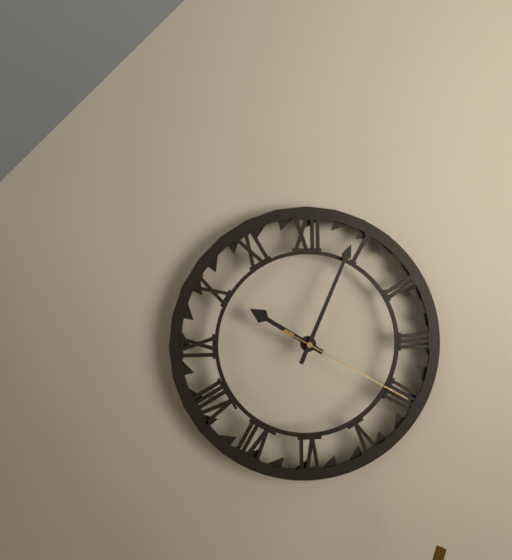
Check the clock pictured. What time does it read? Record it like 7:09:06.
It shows 10:04:20
